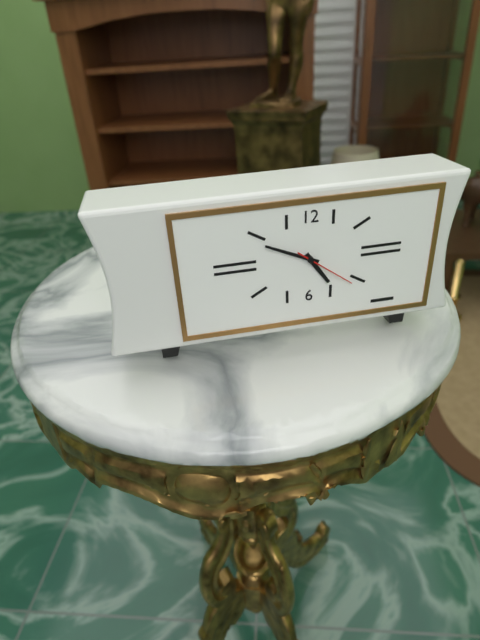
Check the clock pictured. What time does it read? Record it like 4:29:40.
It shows 4:49:21
